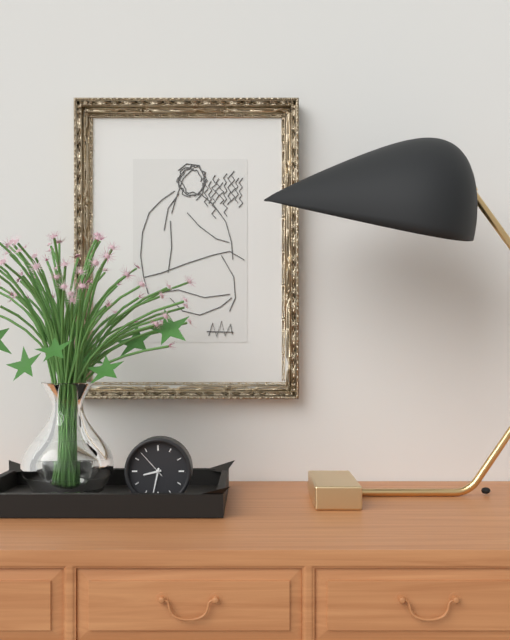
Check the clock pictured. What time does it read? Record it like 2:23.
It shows 8:32
